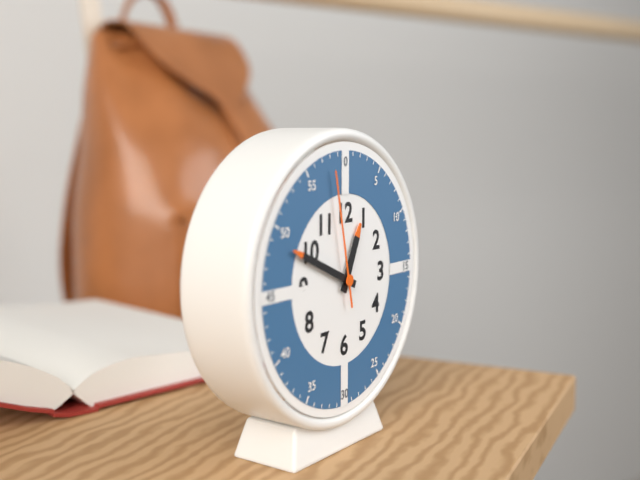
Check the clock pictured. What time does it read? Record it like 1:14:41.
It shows 12:49:58
